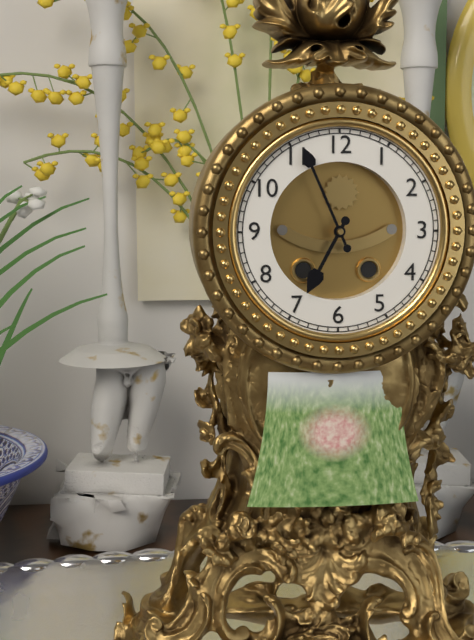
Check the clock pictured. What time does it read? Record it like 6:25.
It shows 6:56
